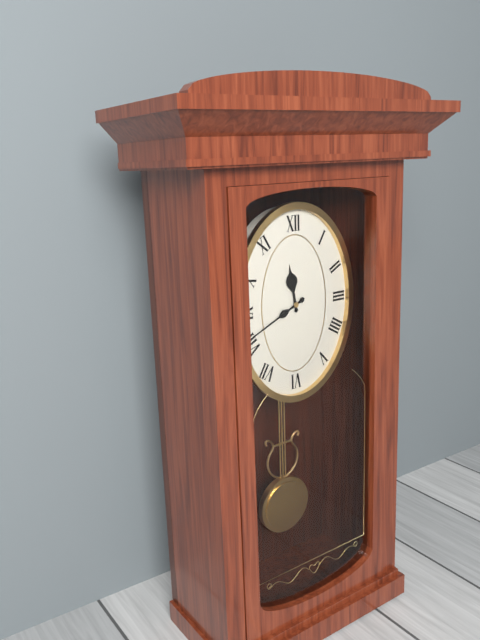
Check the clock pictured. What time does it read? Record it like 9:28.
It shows 11:41
